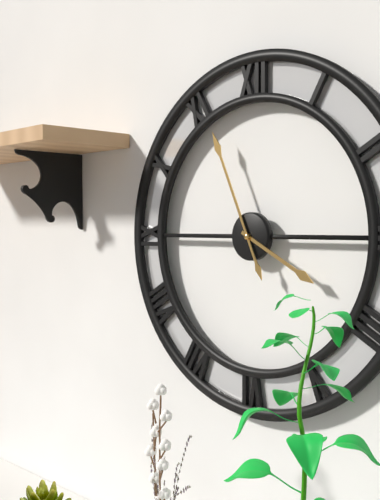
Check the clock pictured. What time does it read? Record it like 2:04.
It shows 3:56
